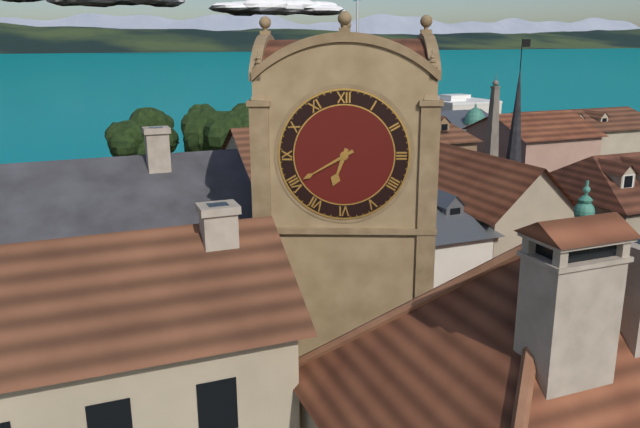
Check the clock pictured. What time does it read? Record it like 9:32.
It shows 6:40
